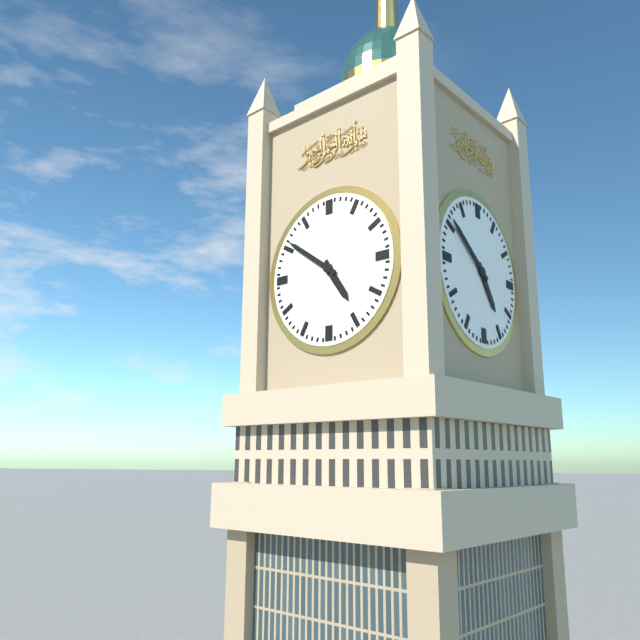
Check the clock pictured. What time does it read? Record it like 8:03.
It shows 4:51
